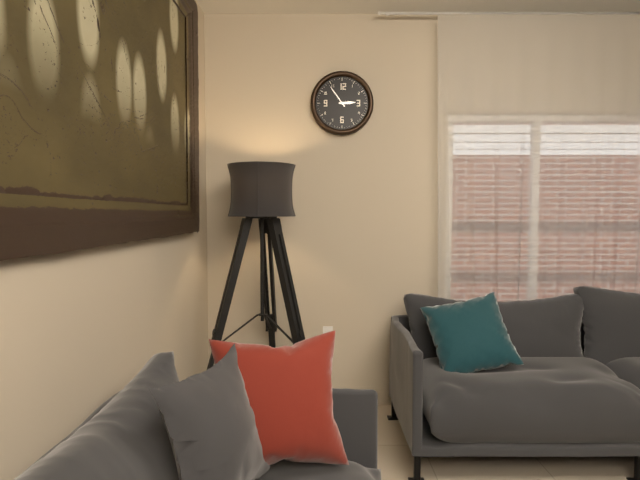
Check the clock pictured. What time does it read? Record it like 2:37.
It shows 2:54
